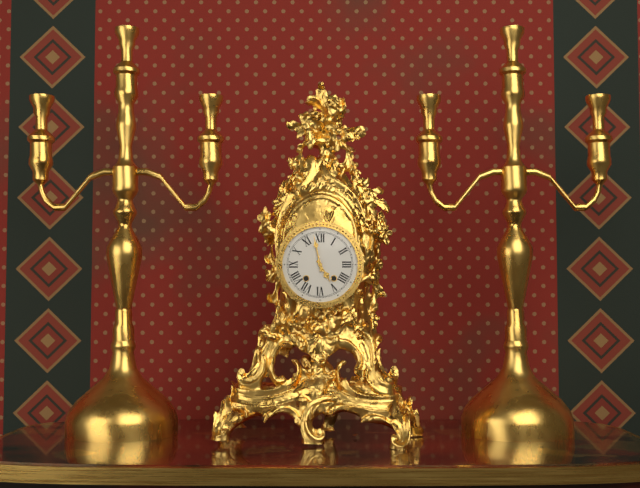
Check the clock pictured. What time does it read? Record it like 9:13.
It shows 4:58
